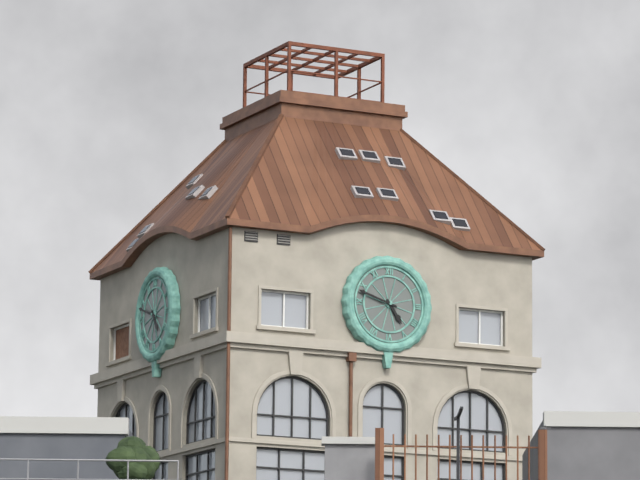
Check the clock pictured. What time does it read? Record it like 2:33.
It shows 4:48
